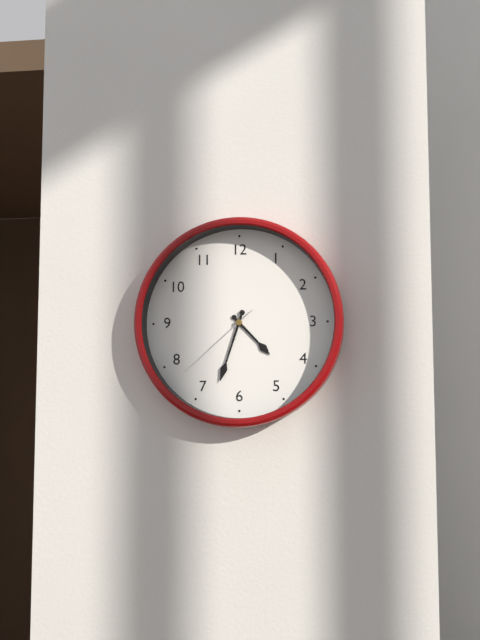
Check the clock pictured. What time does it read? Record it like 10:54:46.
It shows 4:33:38
